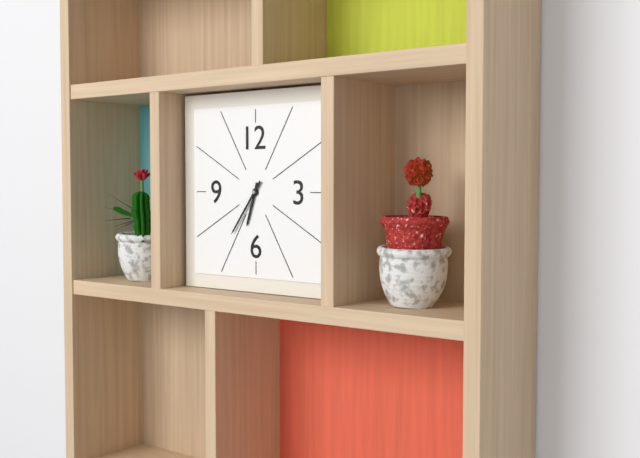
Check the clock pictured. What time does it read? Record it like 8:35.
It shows 6:36
